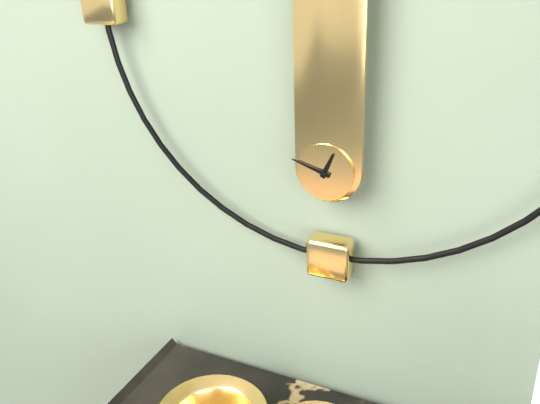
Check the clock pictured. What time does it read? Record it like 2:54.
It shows 12:48
